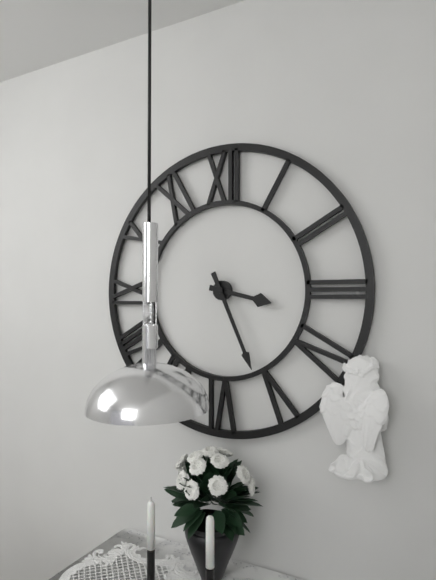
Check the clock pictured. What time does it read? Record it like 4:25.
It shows 3:26
